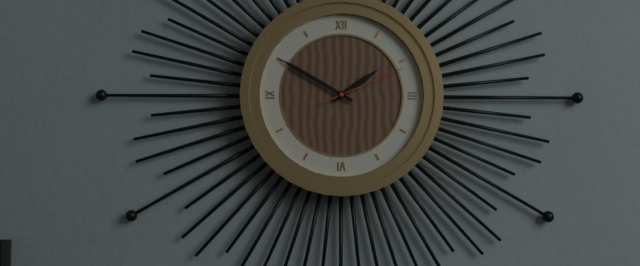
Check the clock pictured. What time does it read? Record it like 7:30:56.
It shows 1:50:11
